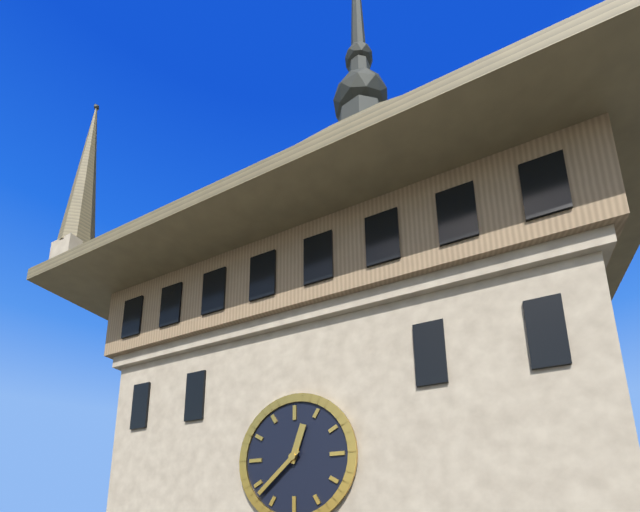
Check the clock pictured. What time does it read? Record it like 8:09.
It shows 12:38
